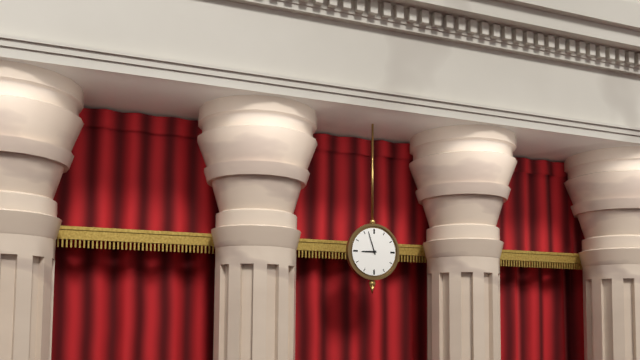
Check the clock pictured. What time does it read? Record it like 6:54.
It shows 8:57
